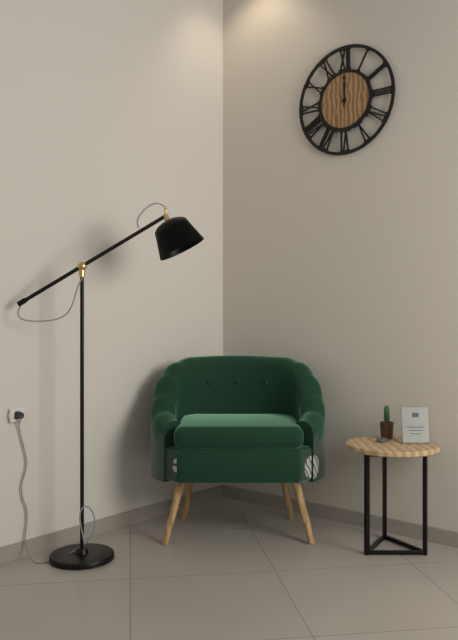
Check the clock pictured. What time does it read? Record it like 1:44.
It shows 12:00
